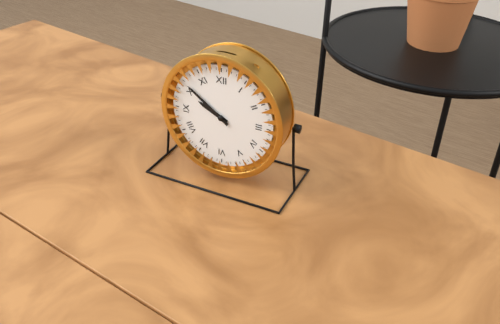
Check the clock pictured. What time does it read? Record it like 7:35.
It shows 9:51
